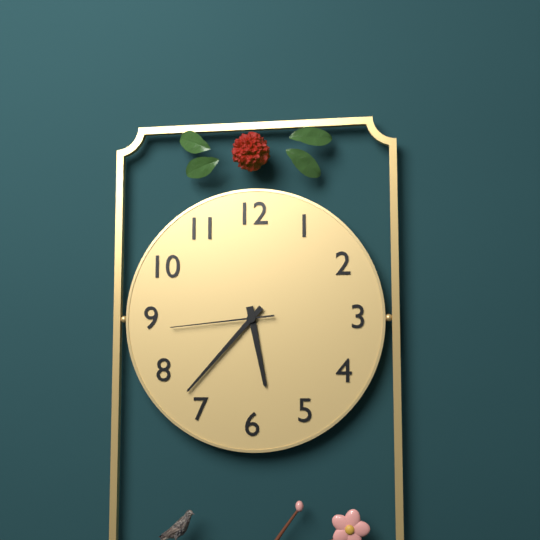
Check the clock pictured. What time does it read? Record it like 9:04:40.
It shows 5:37:44
